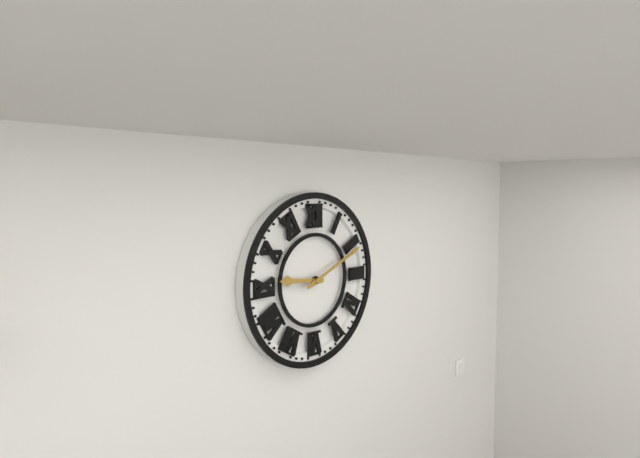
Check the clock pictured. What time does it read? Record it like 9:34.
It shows 9:11
